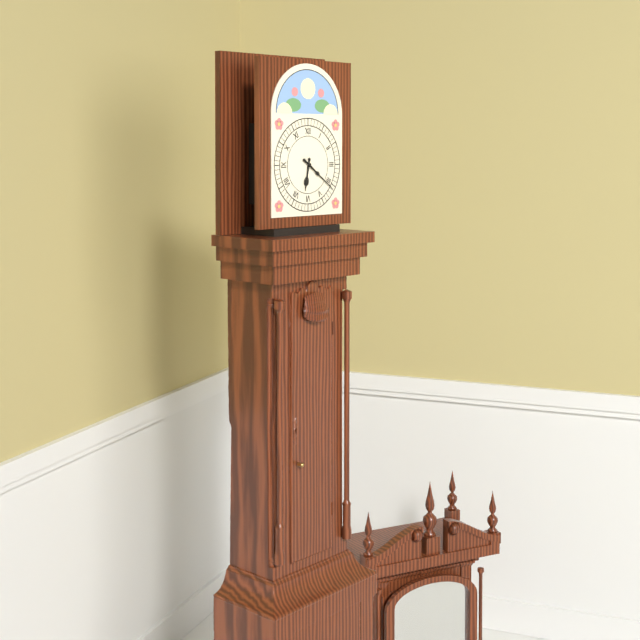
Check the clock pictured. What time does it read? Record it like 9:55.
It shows 6:21
